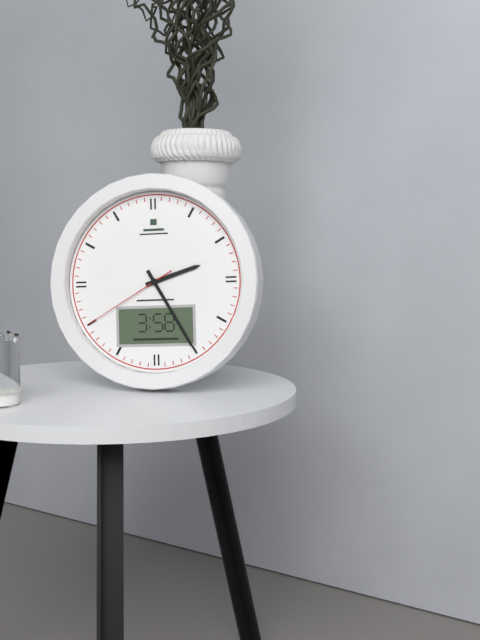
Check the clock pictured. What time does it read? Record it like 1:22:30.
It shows 2:25:40
